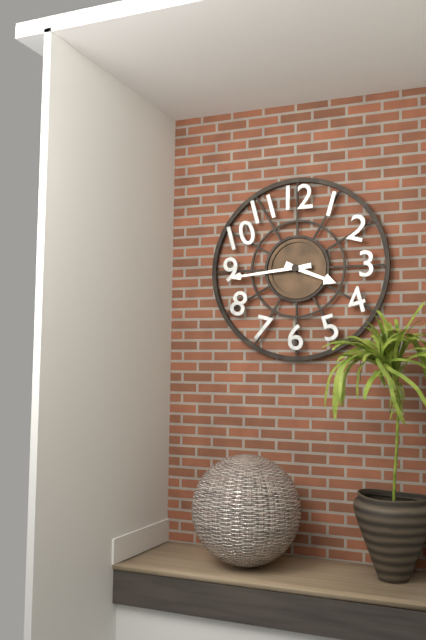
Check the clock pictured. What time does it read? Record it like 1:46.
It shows 3:44
